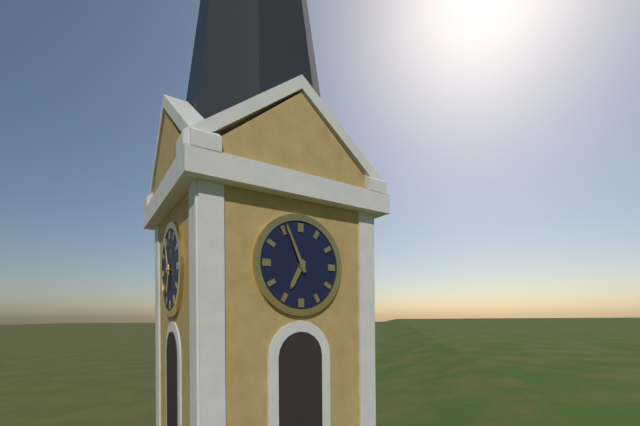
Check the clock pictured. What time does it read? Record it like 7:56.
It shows 6:56
